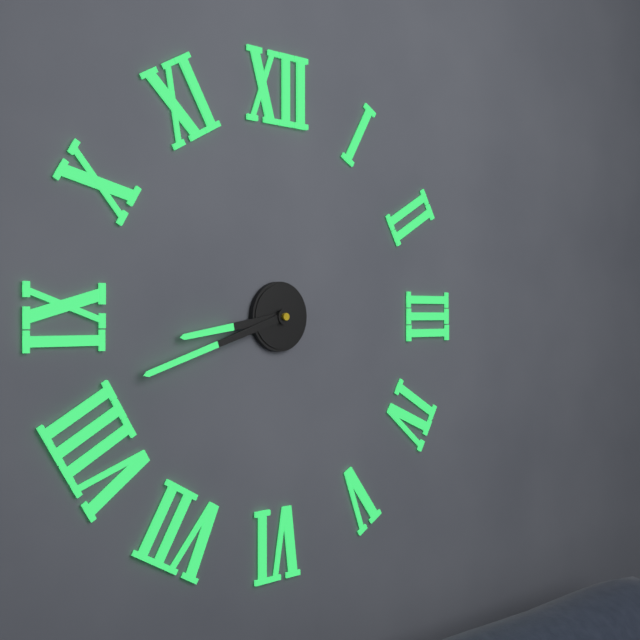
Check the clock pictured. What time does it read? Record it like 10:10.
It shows 8:42
